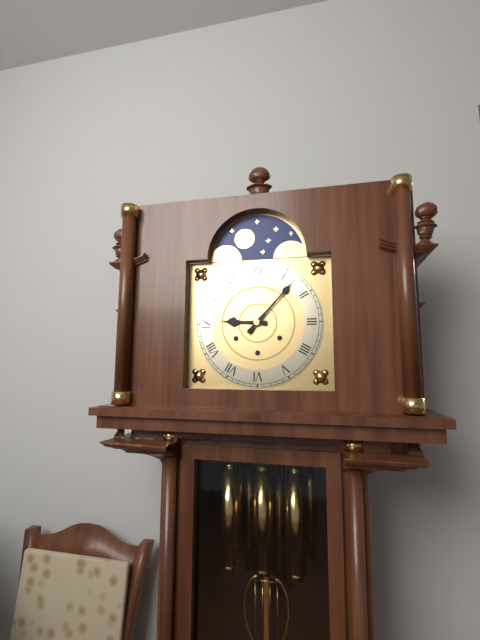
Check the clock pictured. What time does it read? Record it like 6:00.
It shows 9:07
